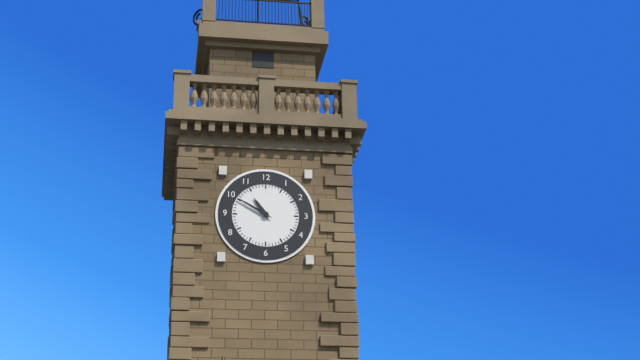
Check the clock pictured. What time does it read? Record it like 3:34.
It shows 10:50
